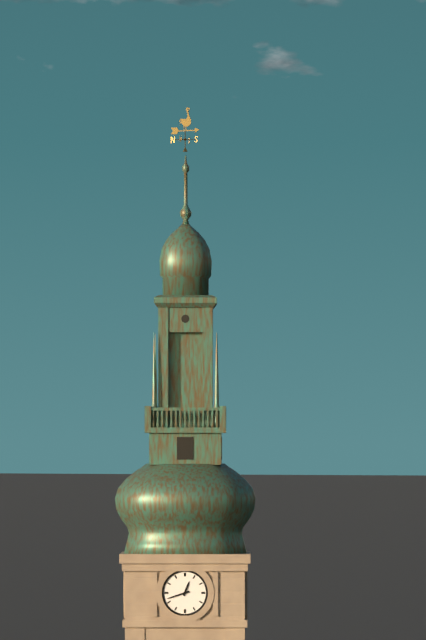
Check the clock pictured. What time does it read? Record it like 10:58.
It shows 12:42
